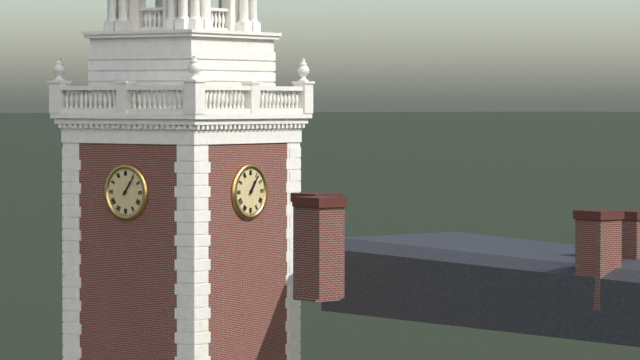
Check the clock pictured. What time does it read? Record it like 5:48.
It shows 1:06
